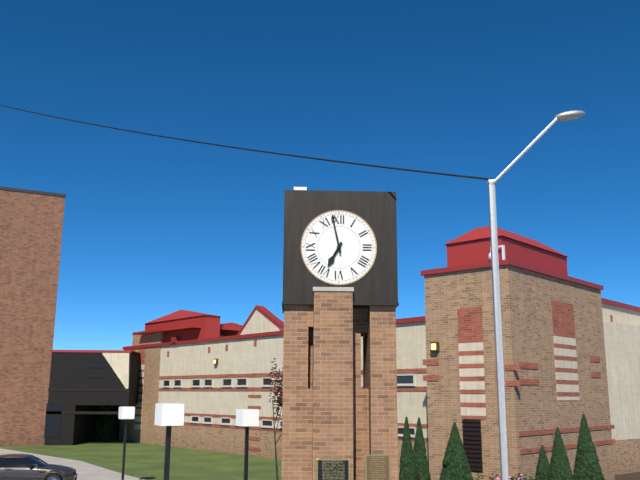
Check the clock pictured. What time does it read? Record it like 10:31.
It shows 6:58
